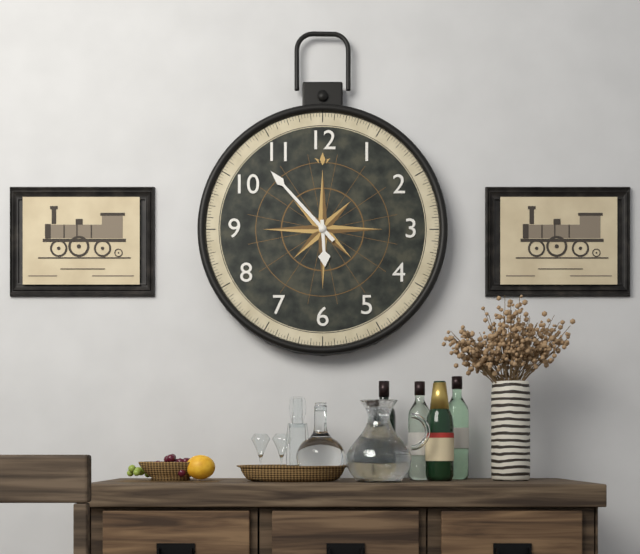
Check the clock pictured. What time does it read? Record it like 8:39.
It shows 5:53
